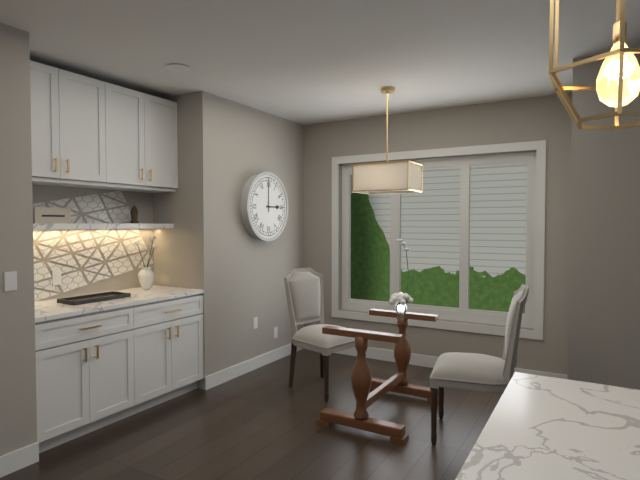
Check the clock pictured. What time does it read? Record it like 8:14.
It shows 3:00
